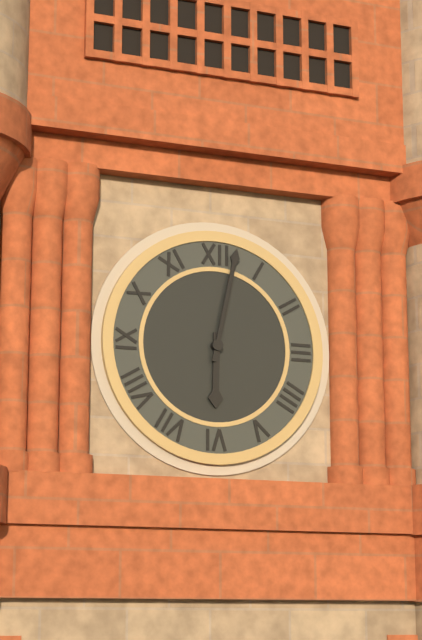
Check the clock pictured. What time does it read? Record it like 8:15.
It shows 6:02
